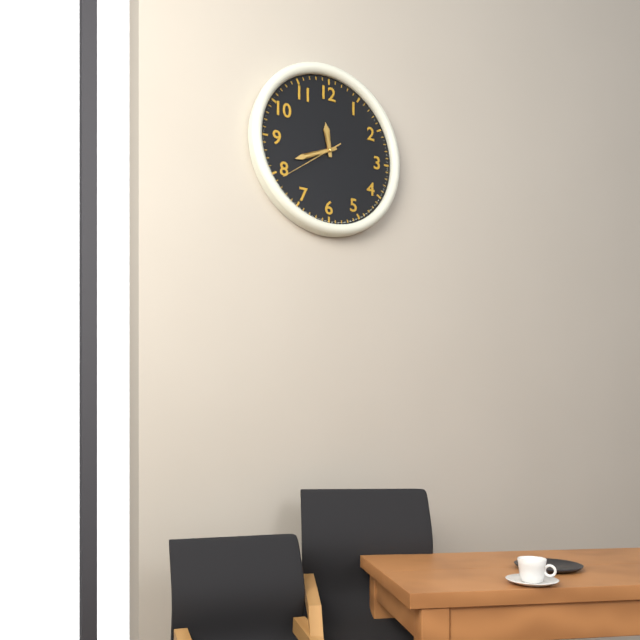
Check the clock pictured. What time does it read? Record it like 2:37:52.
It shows 11:41:39
